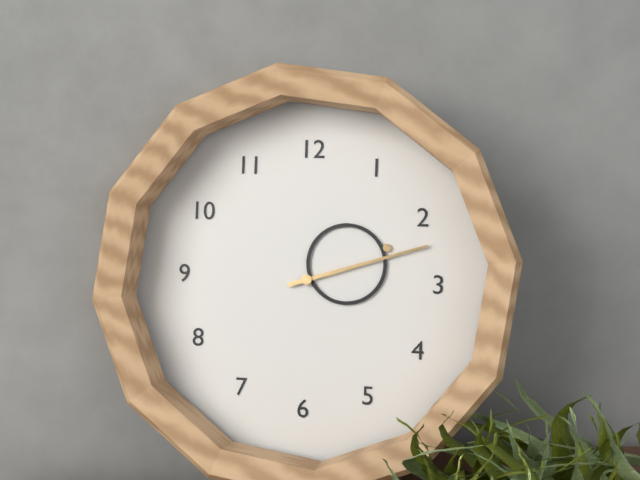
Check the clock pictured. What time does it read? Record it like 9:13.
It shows 2:12
